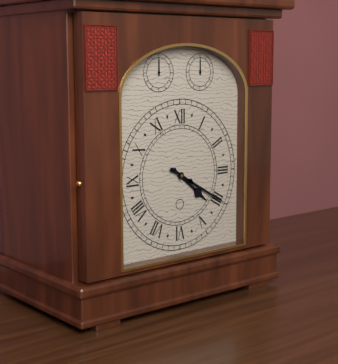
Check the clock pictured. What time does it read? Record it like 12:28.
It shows 4:20
